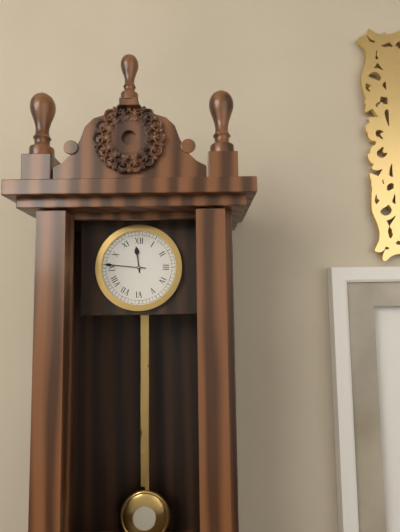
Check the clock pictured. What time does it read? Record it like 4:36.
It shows 11:46
